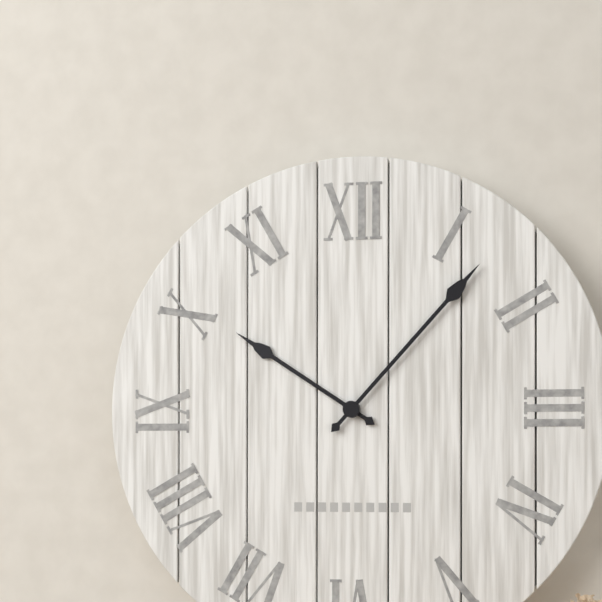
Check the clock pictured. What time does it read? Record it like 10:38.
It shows 10:07
